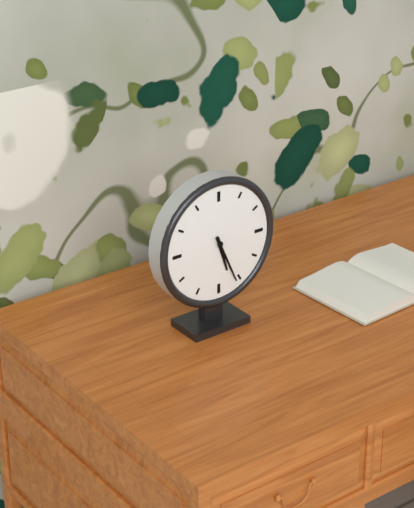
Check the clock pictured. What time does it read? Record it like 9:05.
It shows 5:26
